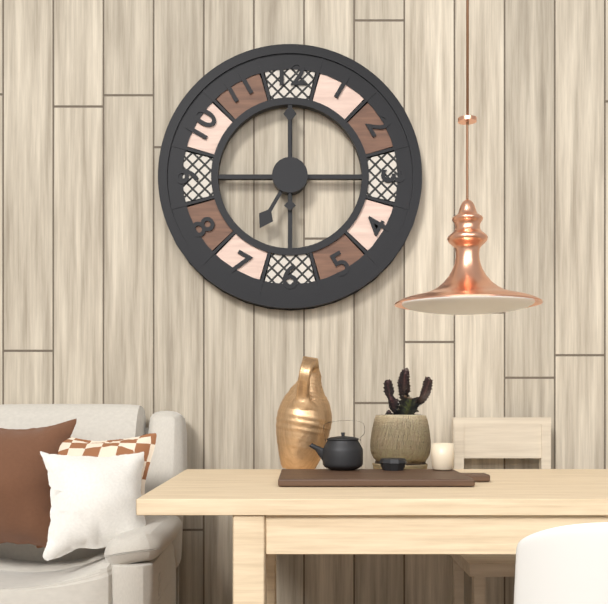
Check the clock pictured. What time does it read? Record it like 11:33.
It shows 7:00
